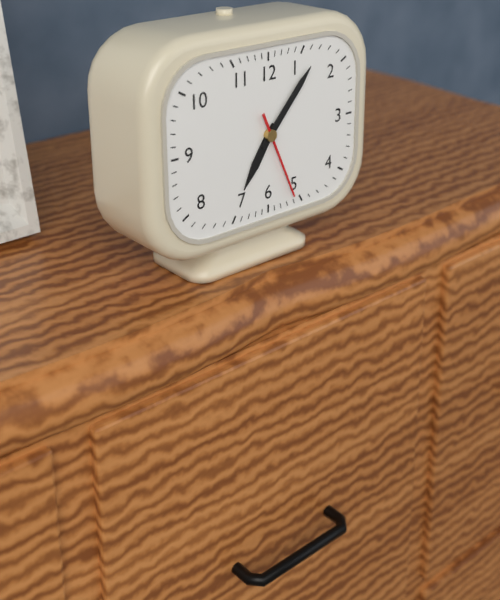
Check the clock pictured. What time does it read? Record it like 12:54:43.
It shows 7:07:26
